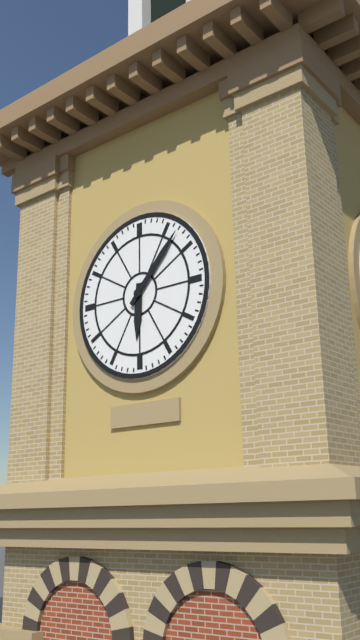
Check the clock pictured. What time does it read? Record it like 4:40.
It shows 6:07
